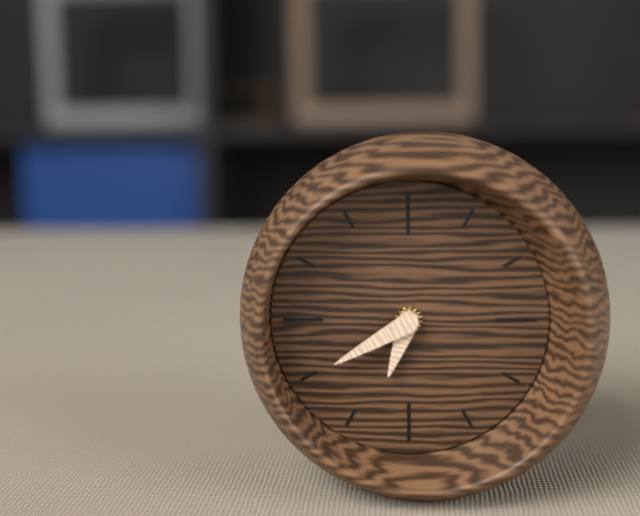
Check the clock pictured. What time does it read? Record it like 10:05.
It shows 6:40
